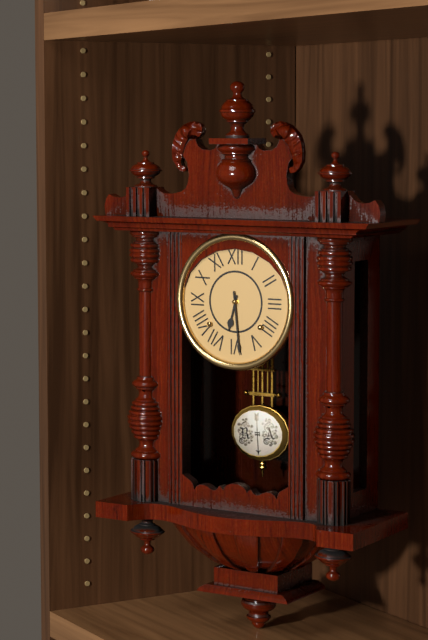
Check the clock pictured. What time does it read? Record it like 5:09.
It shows 6:29
